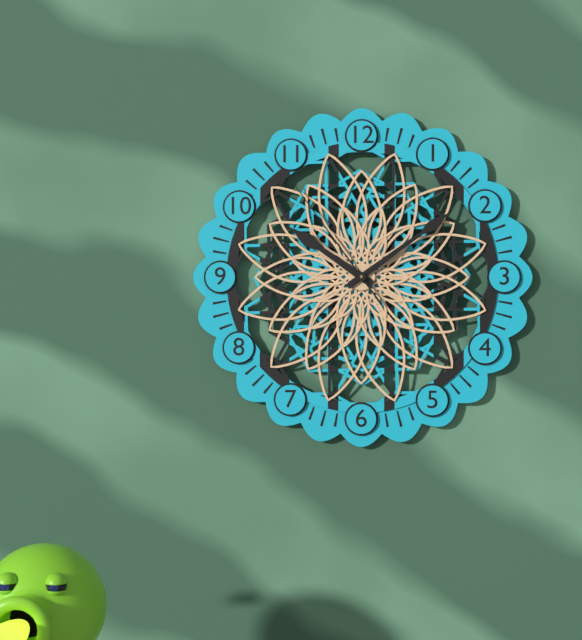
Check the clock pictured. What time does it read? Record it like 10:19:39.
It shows 10:09:54
